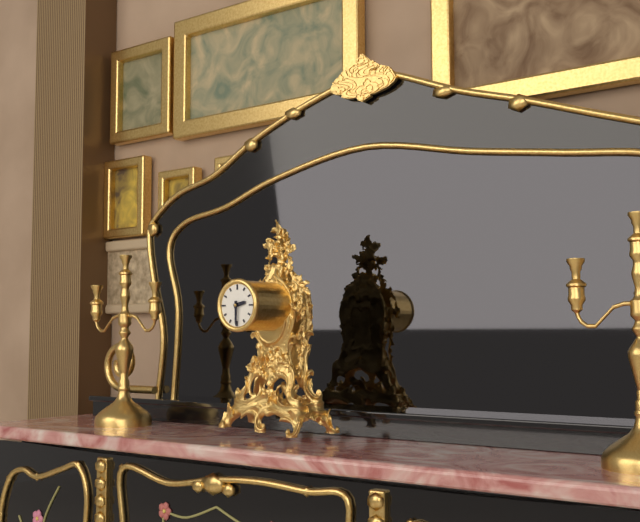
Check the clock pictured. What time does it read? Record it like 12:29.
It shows 2:30
